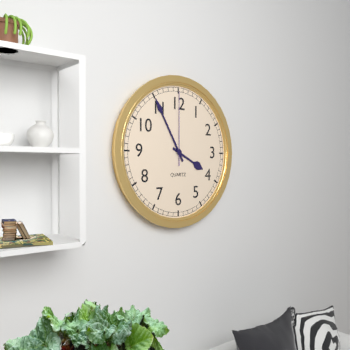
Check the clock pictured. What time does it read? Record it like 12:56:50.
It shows 3:55:00
